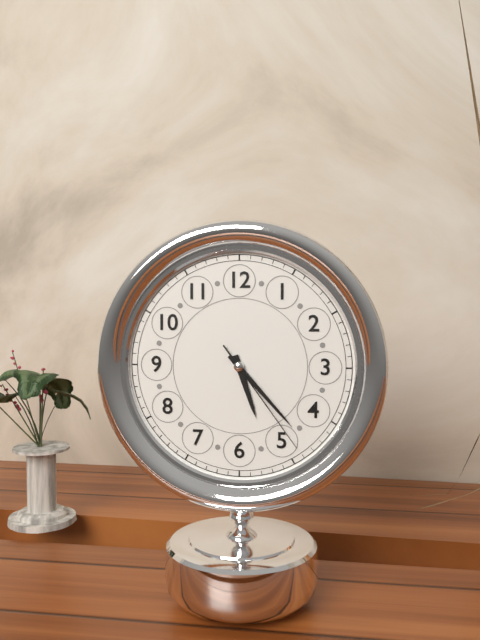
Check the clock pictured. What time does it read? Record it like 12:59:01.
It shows 5:23:24
